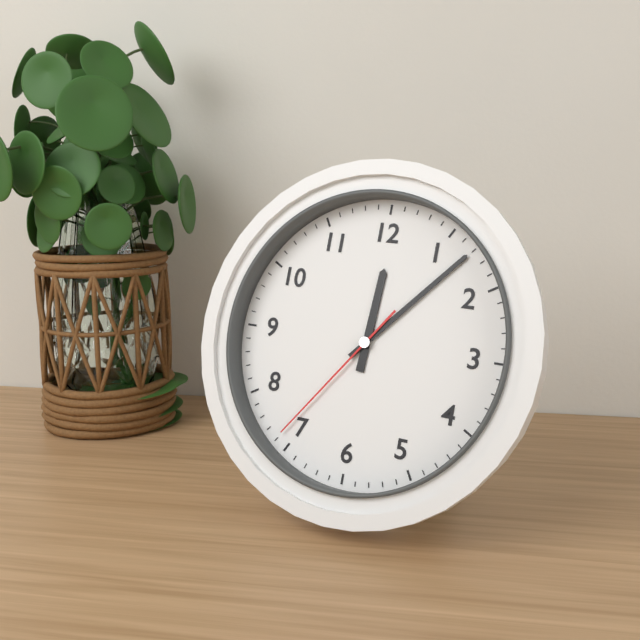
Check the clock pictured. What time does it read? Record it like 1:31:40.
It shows 12:07:36
